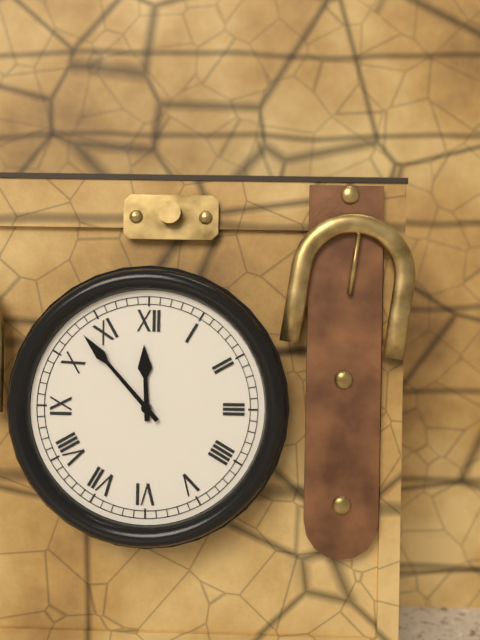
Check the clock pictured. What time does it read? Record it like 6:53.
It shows 11:53
